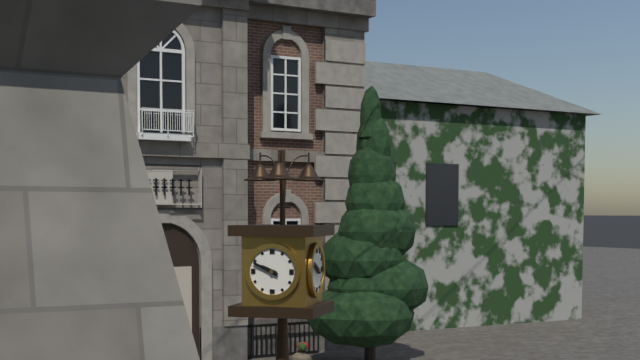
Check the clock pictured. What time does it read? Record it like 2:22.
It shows 9:49
